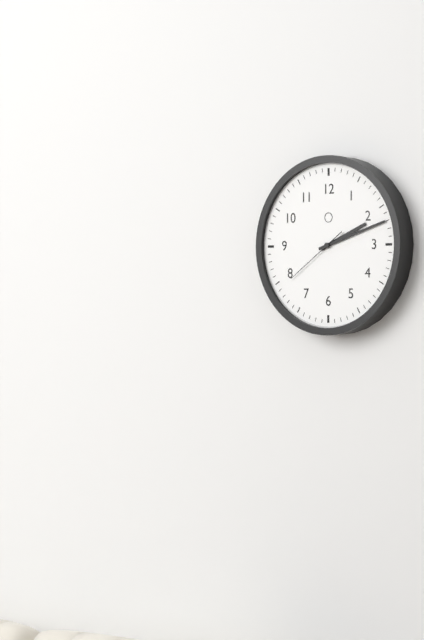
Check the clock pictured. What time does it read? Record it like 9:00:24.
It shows 2:12:39
